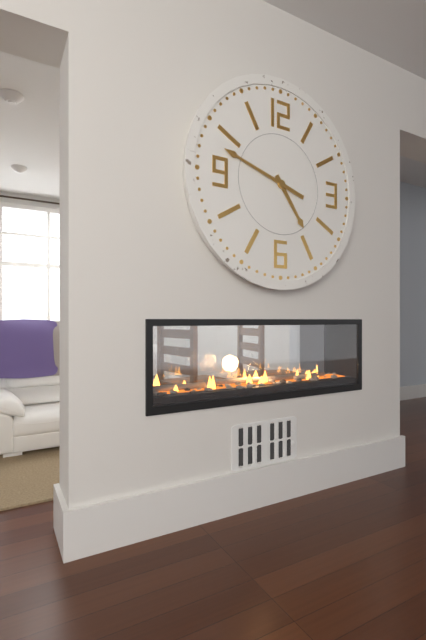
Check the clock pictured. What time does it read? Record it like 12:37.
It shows 4:48
